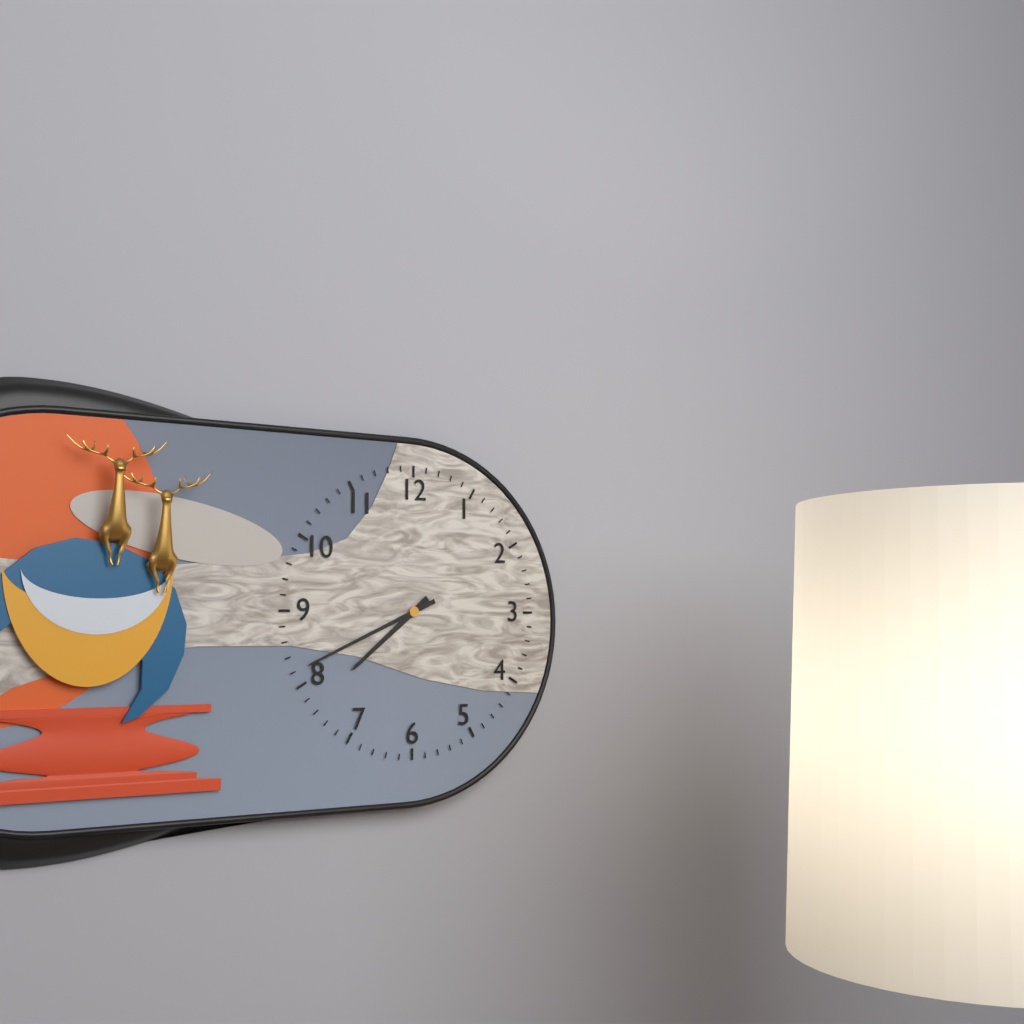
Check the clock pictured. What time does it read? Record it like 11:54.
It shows 7:41
